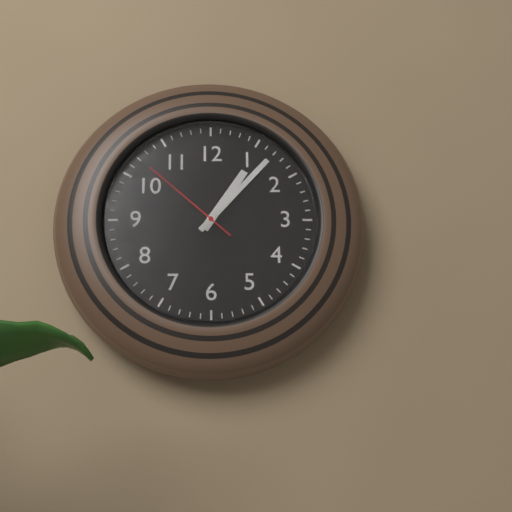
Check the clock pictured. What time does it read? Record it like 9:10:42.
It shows 1:07:52
